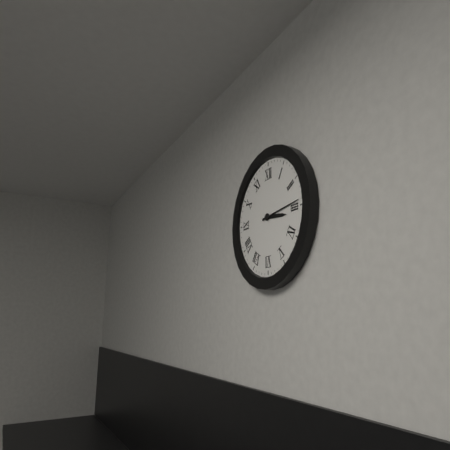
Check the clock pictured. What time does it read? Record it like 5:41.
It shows 3:14
